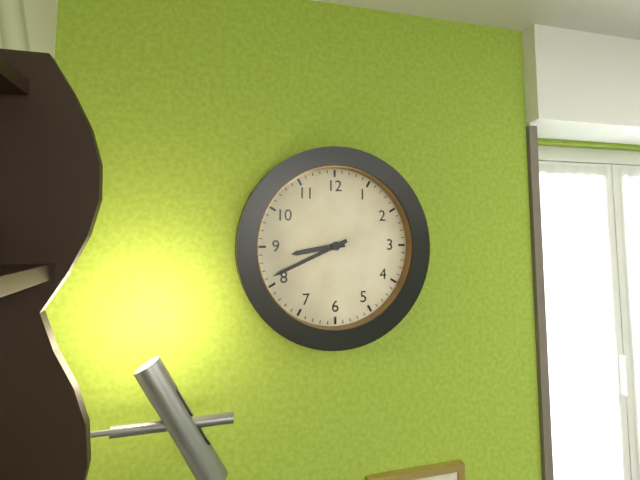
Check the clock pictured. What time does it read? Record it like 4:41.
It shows 8:41
